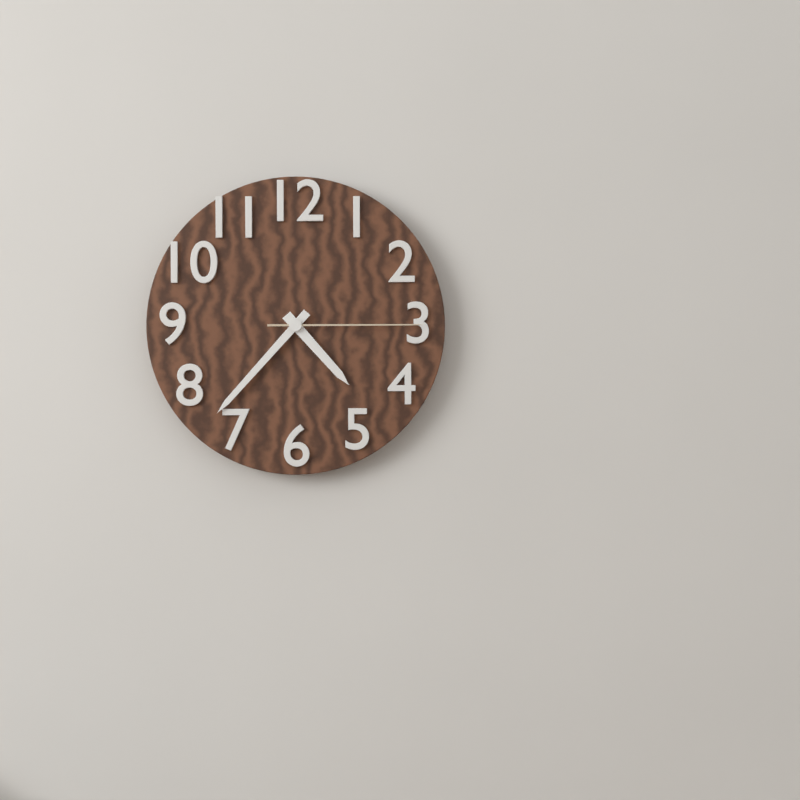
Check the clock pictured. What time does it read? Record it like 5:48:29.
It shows 4:37:15
